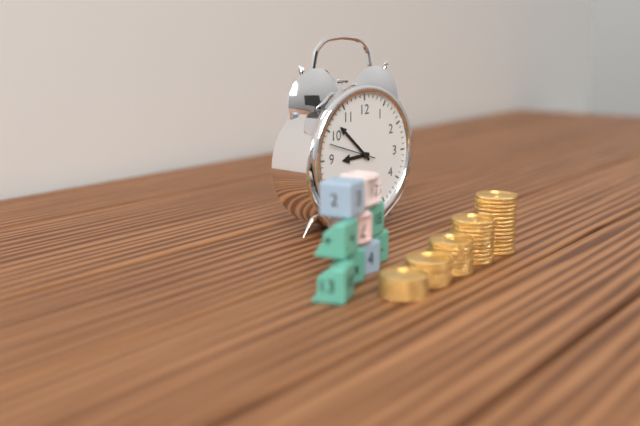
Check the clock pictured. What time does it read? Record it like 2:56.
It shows 8:52
